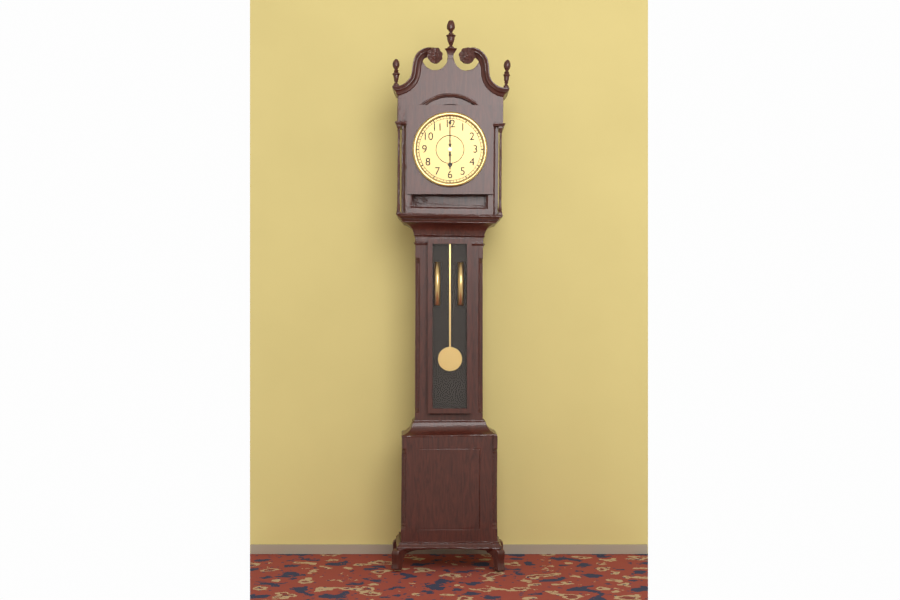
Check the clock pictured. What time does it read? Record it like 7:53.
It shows 6:00
